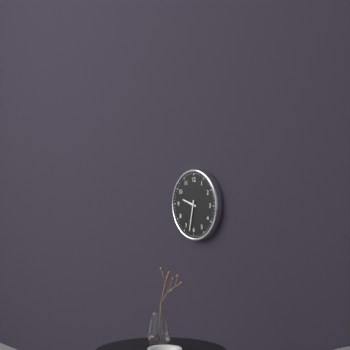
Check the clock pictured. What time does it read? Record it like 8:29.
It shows 9:32
